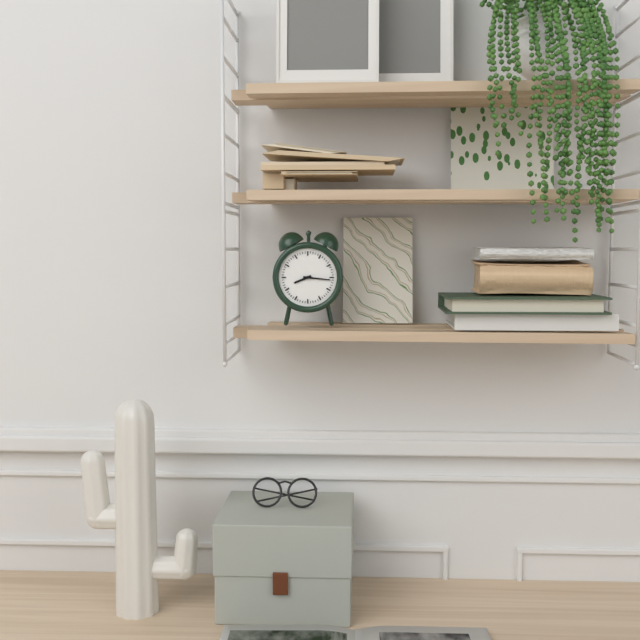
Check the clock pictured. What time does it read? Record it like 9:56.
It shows 8:16
